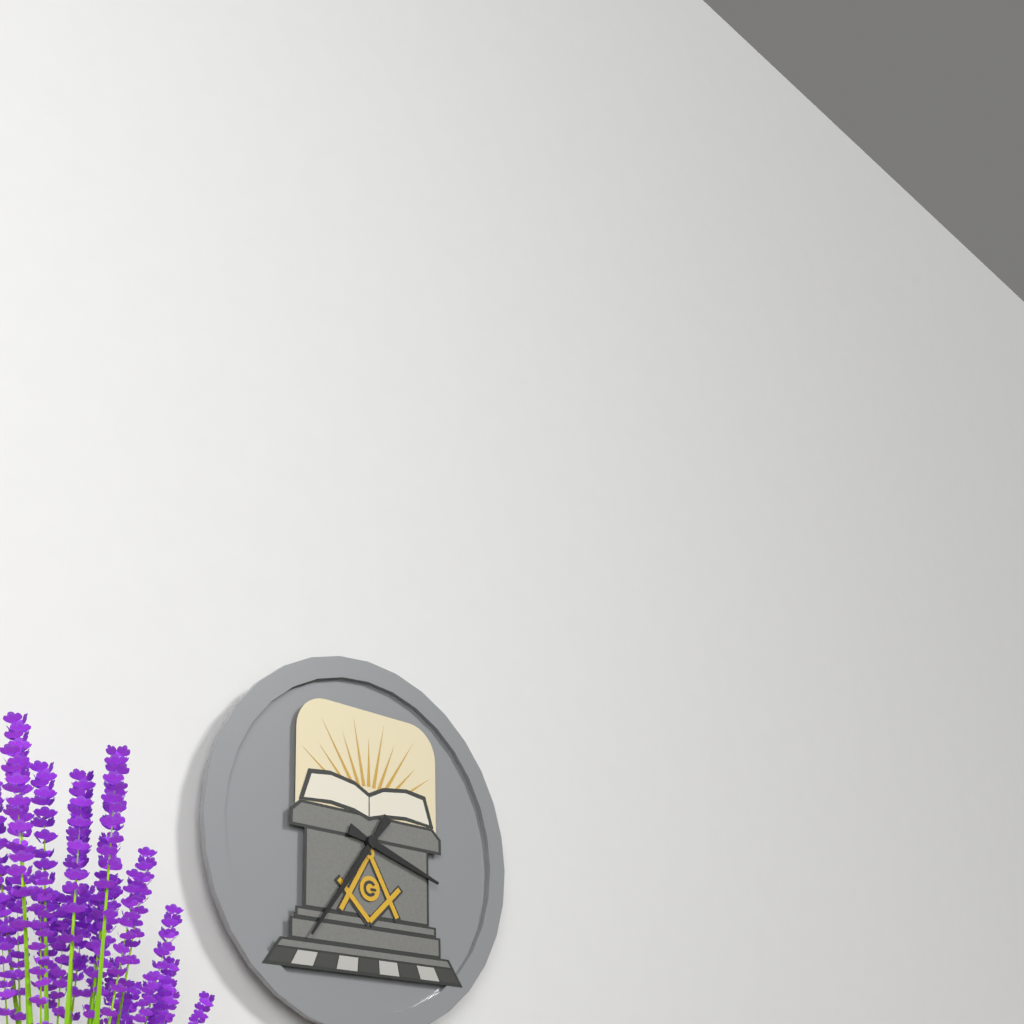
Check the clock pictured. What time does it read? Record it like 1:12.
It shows 3:36
